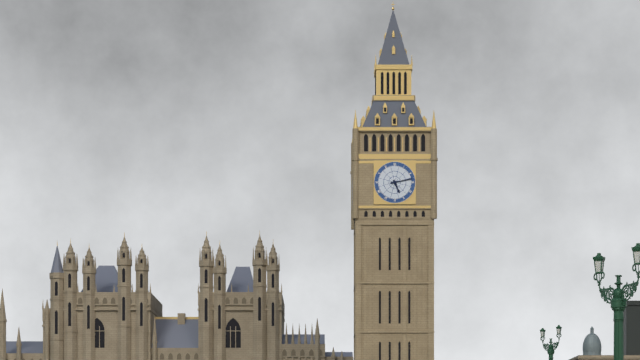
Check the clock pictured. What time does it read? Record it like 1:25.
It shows 5:13
